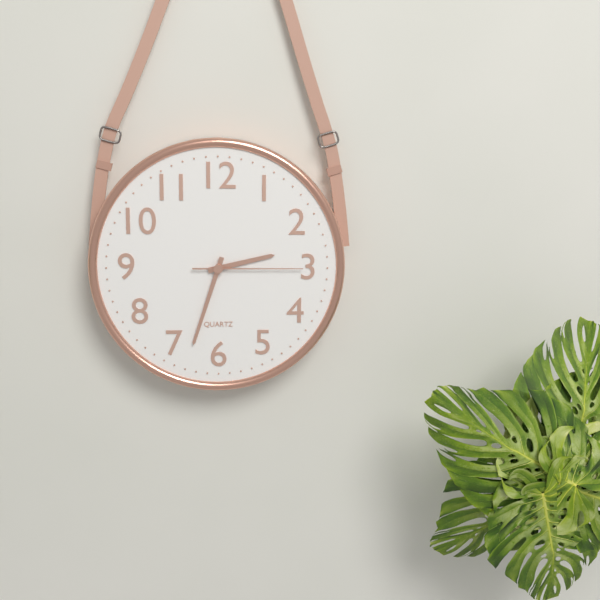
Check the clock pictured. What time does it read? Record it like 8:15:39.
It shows 2:33:15
